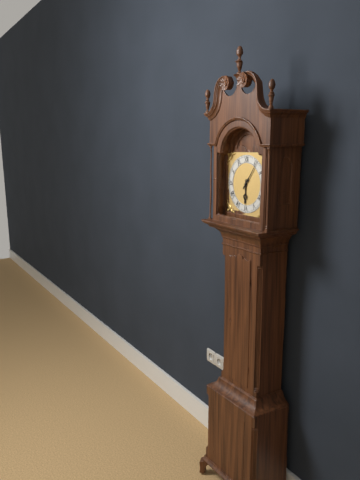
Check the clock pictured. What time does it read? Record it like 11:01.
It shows 6:06
